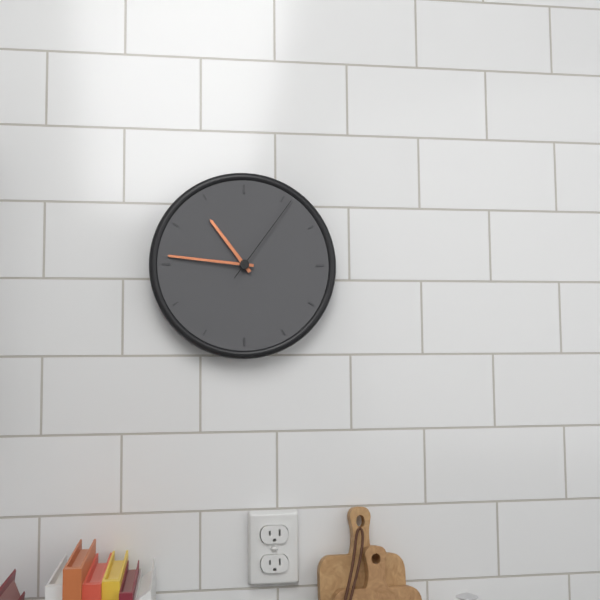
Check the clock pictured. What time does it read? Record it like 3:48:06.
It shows 10:46:06
